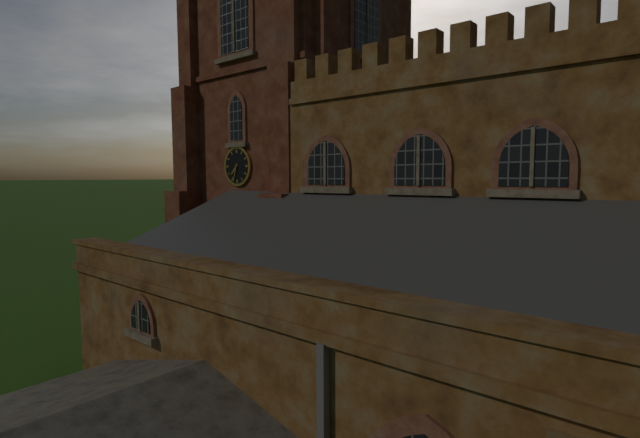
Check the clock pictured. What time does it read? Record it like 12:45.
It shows 7:33
